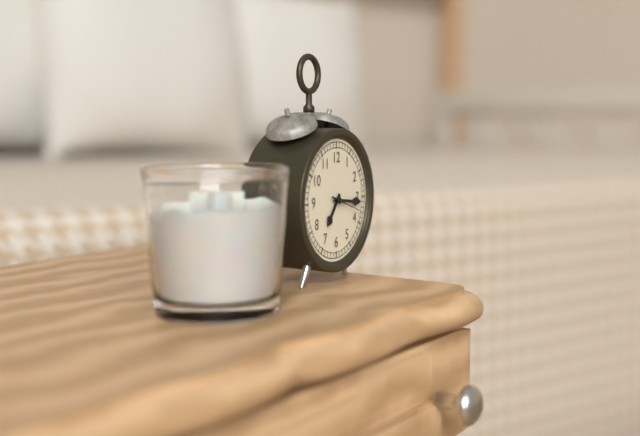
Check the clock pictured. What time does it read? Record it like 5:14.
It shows 7:16
